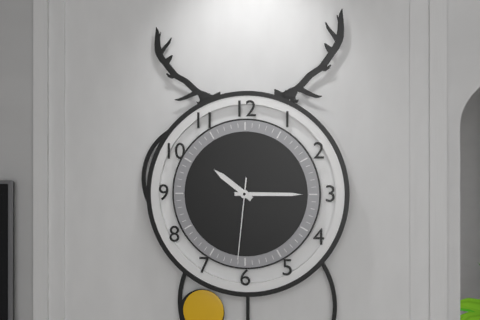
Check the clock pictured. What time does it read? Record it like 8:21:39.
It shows 10:15:31
